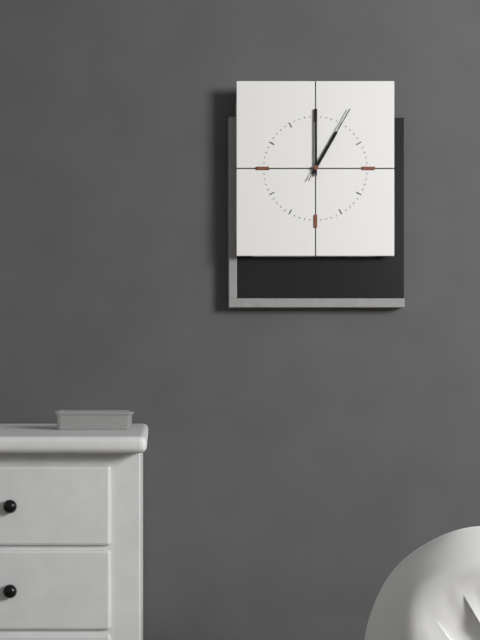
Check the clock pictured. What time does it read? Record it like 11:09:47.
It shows 1:00:05
